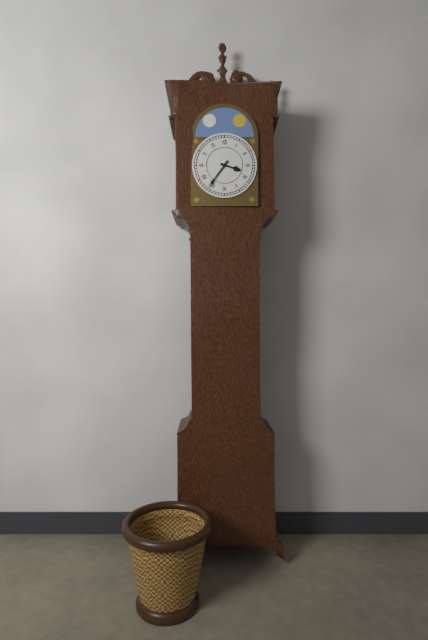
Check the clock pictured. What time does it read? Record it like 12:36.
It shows 3:36
